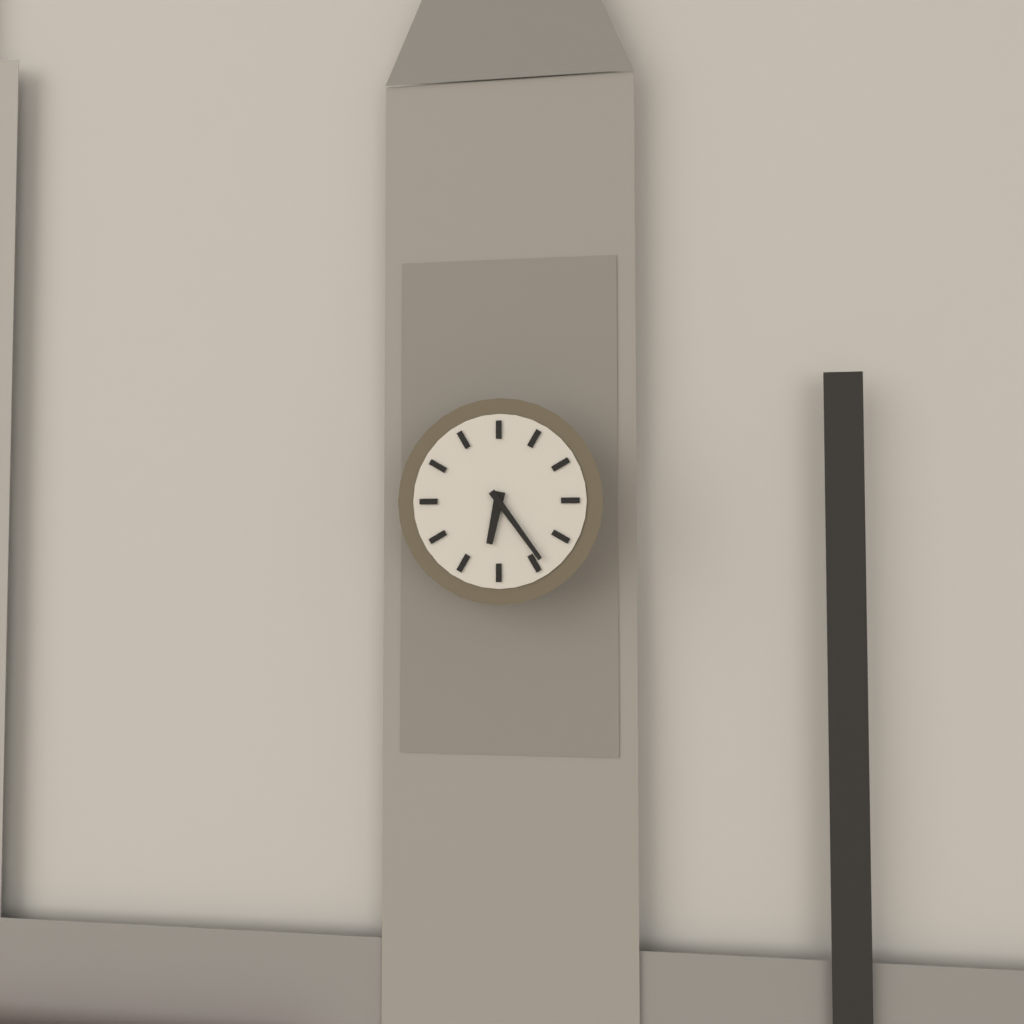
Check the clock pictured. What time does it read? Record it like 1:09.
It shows 6:24
